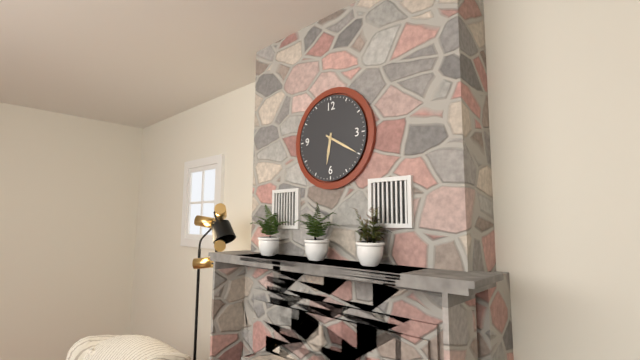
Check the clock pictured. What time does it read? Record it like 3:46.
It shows 6:20
